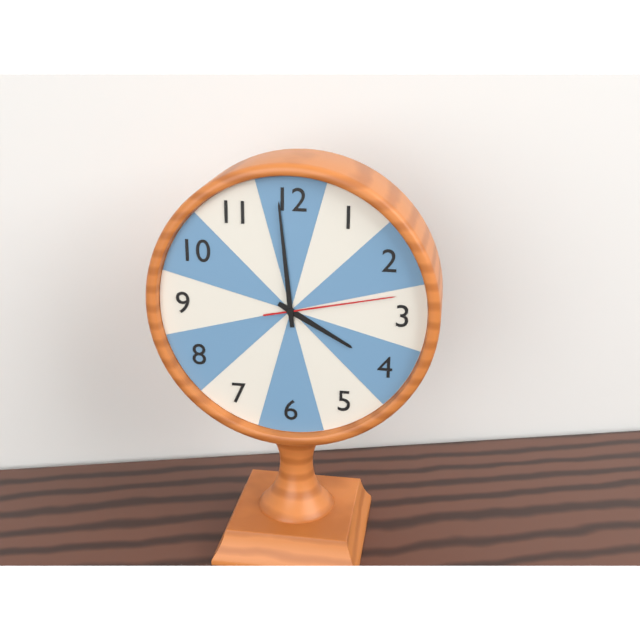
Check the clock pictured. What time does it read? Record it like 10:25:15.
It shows 3:59:13
